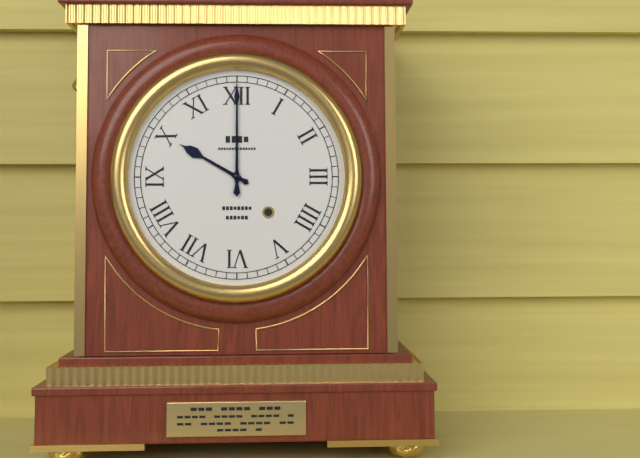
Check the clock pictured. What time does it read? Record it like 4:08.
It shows 10:00
